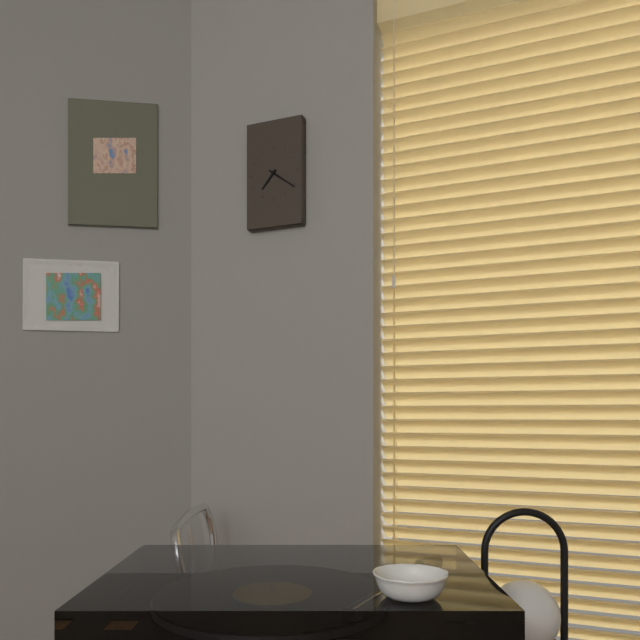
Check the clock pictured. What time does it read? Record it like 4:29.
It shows 7:21
